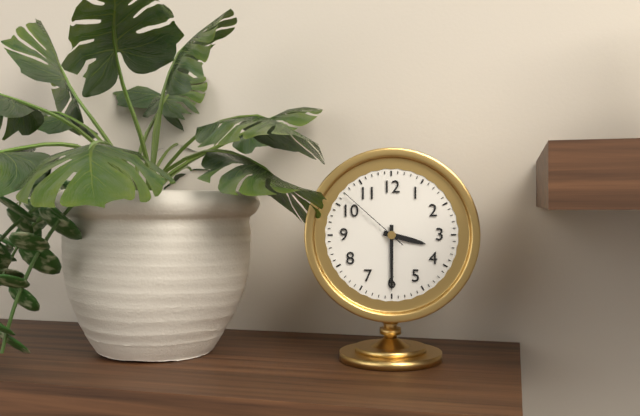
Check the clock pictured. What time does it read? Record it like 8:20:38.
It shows 3:30:52
